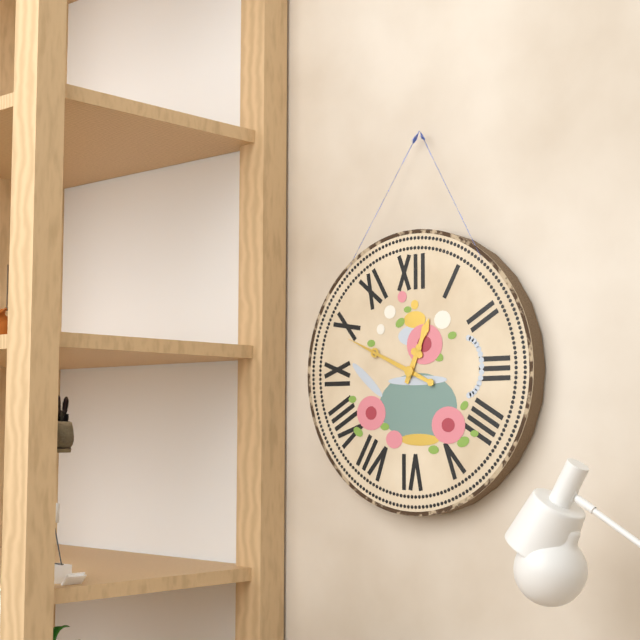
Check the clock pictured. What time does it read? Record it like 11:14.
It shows 12:49
